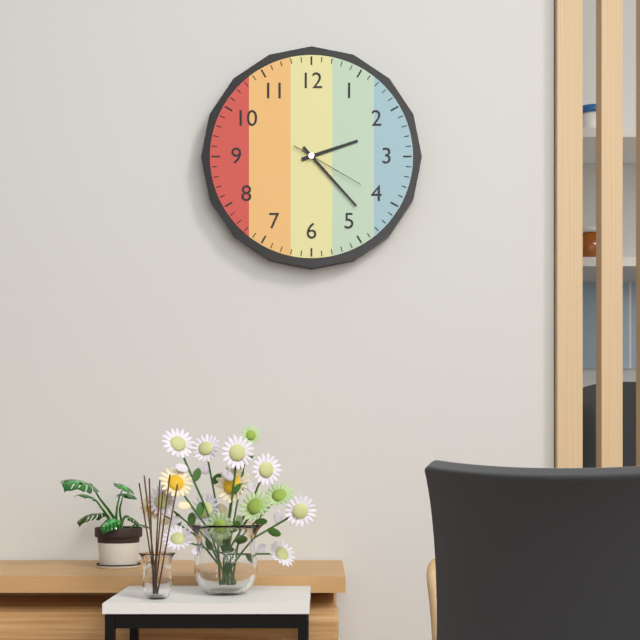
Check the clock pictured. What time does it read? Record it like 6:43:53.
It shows 2:23:20
